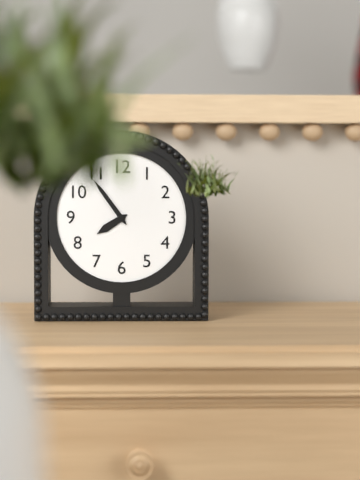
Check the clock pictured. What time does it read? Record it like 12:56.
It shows 7:54
